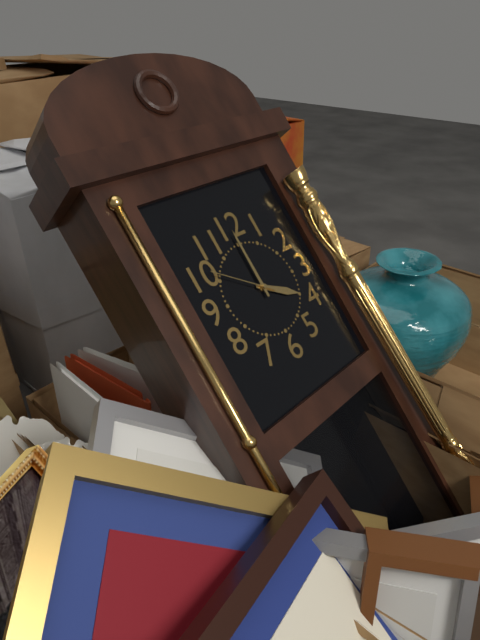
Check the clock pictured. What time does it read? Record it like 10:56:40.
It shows 4:00:51
